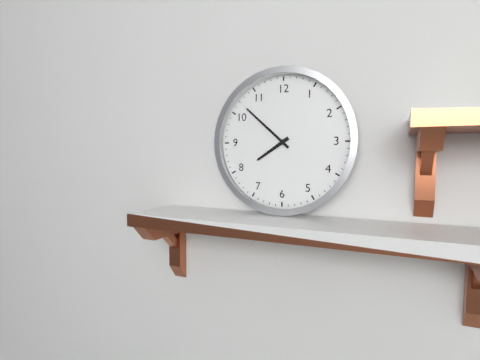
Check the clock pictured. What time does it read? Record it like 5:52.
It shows 7:52
